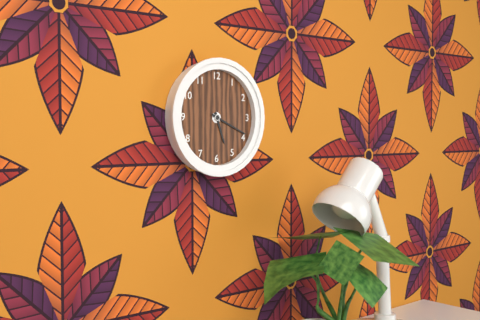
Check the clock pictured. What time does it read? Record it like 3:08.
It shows 5:19
